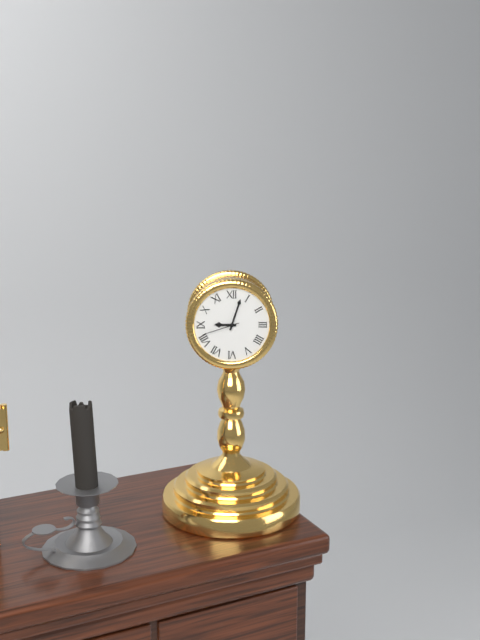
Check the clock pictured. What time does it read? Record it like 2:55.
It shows 9:03
